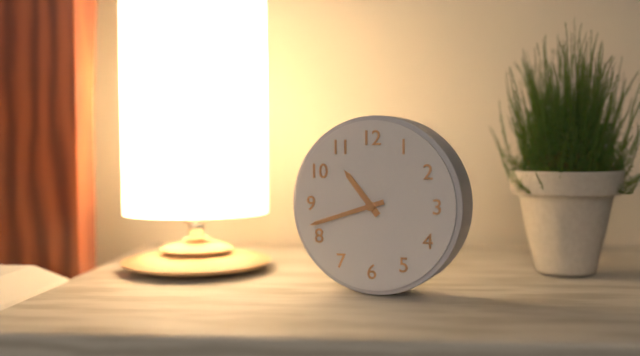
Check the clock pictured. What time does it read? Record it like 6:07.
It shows 10:42
